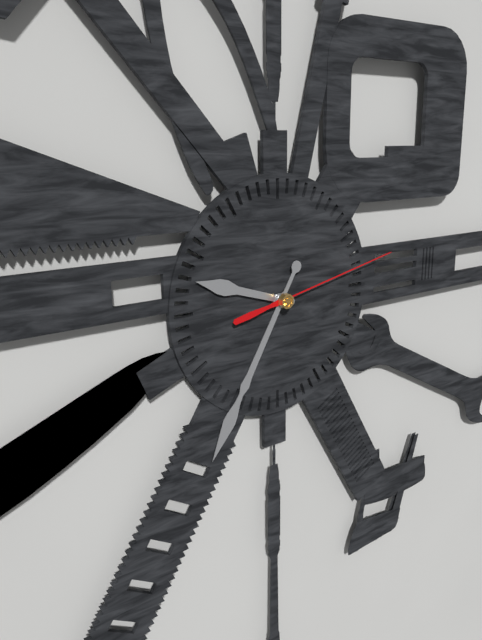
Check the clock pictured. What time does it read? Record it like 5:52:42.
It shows 9:35:13
